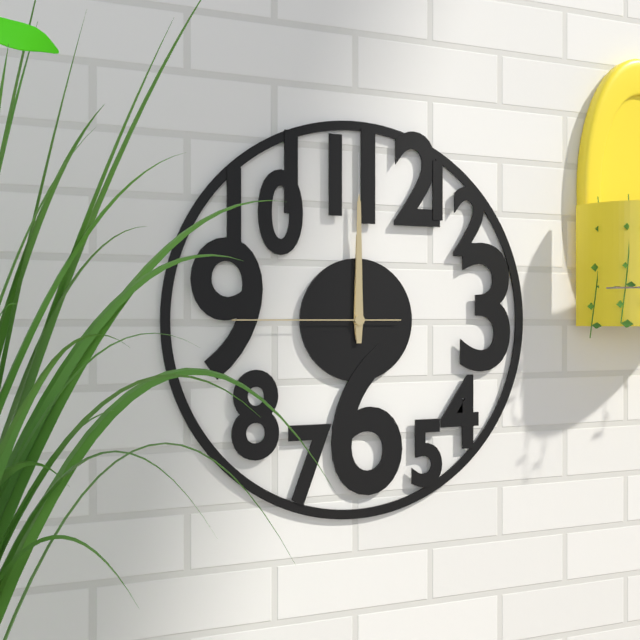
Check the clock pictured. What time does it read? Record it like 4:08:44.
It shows 12:00:45
